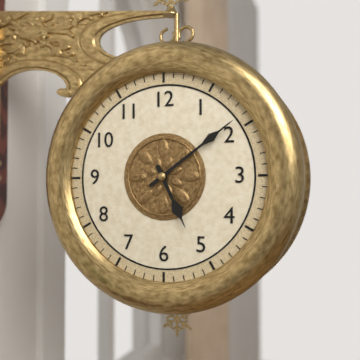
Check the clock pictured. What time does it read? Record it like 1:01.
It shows 5:09
